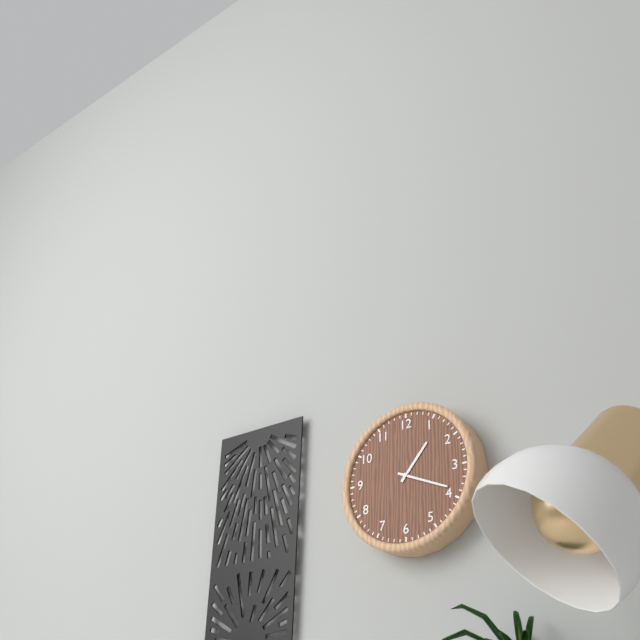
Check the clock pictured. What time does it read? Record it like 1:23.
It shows 1:19
